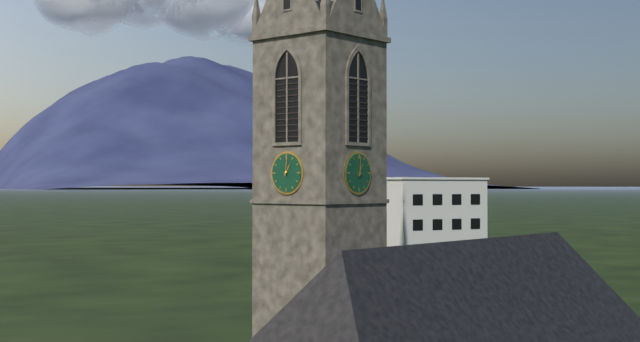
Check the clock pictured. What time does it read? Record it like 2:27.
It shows 1:01
